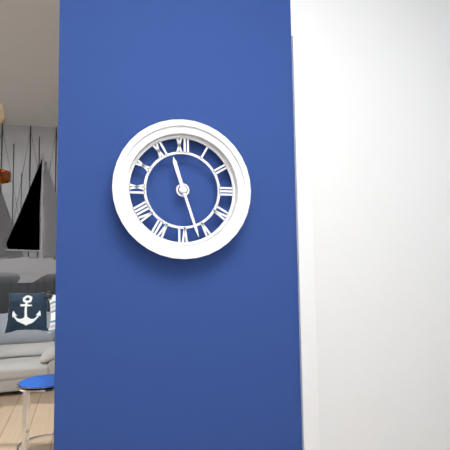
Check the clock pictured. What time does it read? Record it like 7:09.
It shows 11:27
